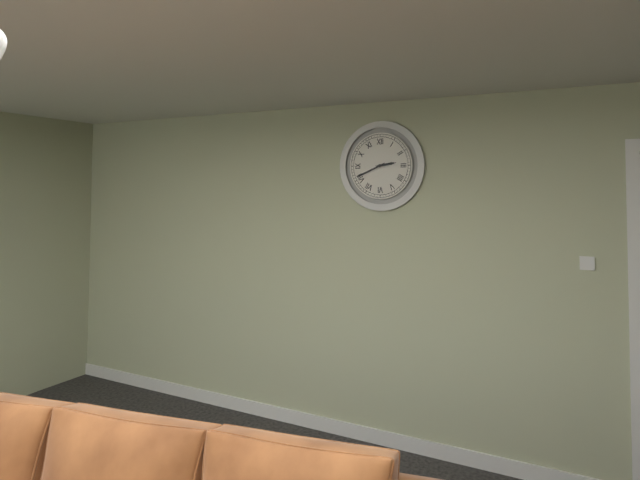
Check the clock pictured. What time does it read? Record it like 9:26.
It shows 2:41
